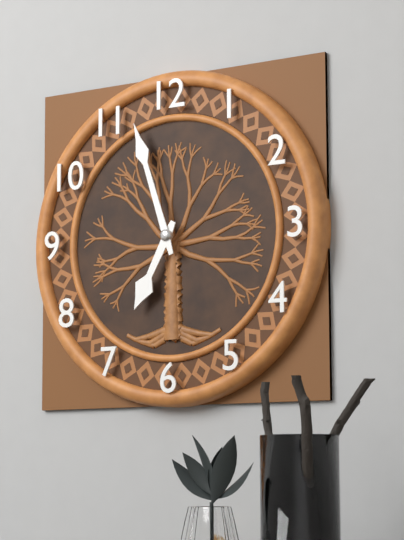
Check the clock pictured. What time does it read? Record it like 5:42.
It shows 6:57
